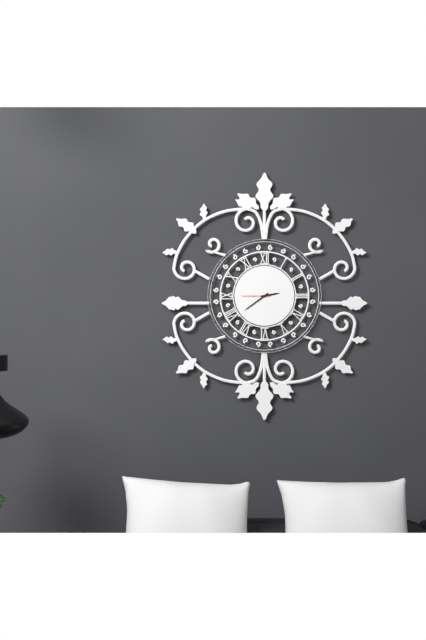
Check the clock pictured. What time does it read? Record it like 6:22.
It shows 2:39
